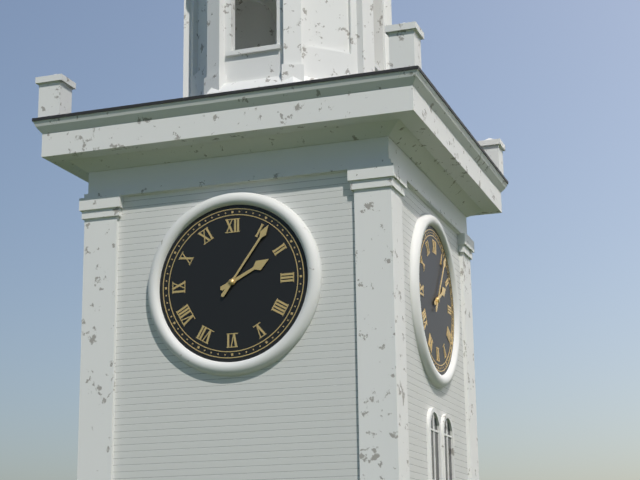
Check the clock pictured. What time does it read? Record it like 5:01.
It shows 2:06
